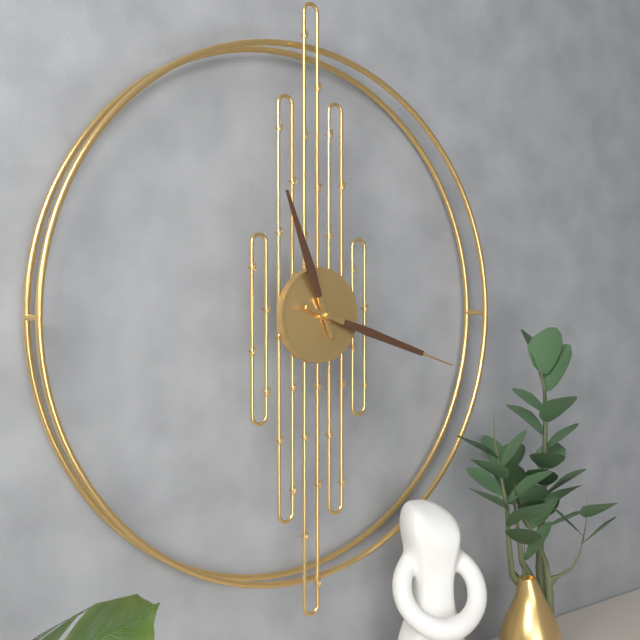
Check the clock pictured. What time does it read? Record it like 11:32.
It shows 11:18
